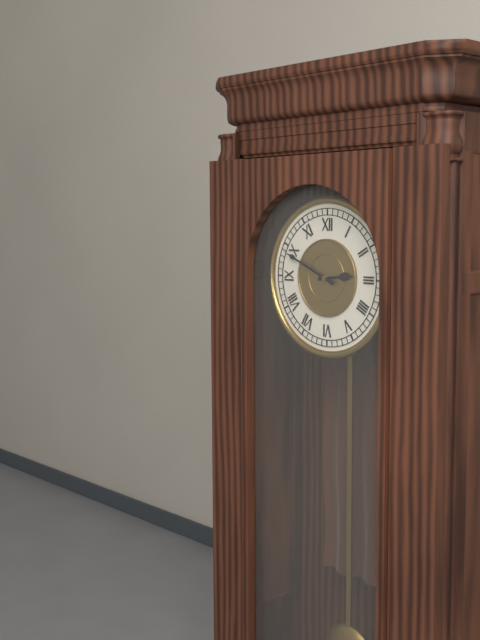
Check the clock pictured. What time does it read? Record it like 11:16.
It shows 2:49
